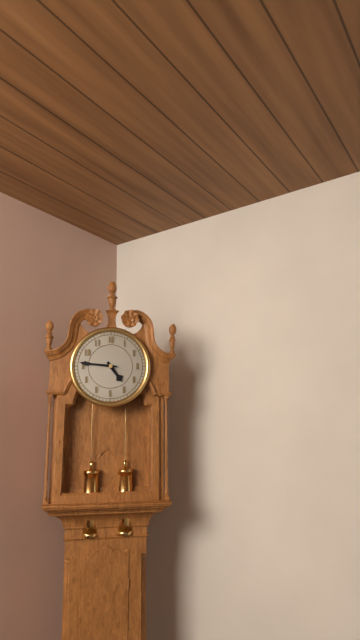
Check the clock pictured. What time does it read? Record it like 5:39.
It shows 4:46
